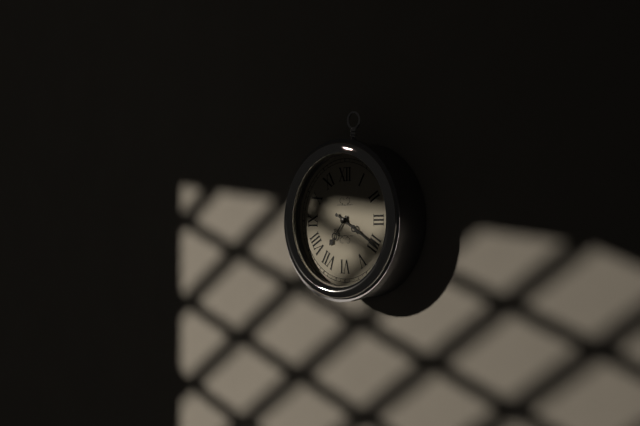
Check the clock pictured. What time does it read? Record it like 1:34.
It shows 7:20
